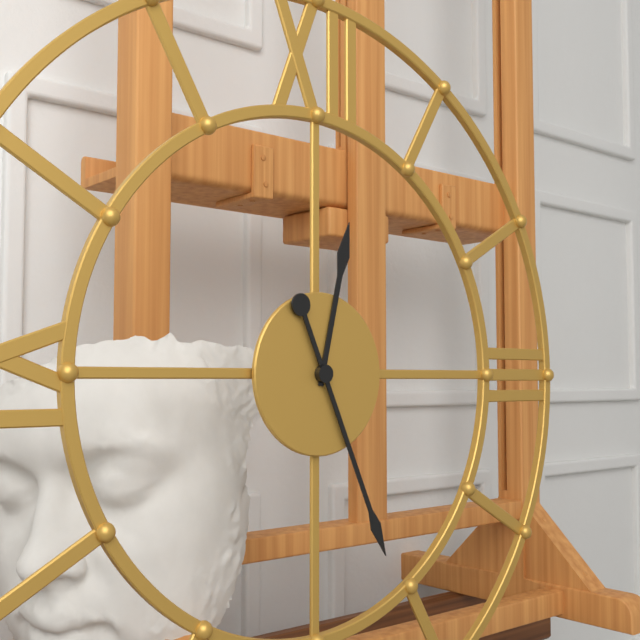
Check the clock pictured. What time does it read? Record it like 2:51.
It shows 12:26
